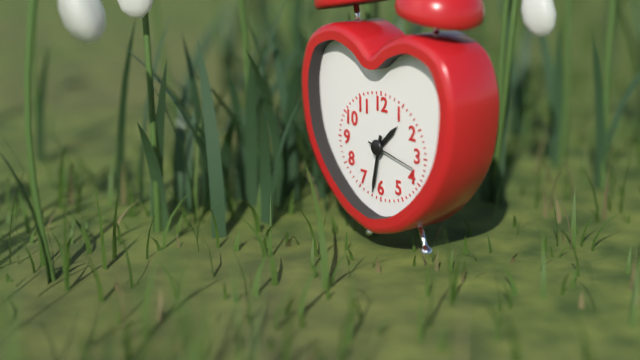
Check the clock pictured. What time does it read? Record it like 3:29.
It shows 1:32
